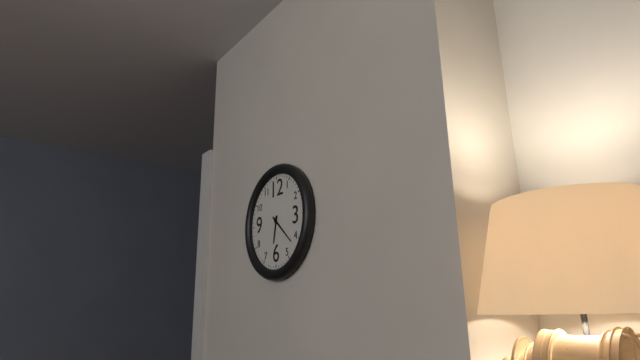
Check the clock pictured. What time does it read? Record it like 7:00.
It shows 6:22
